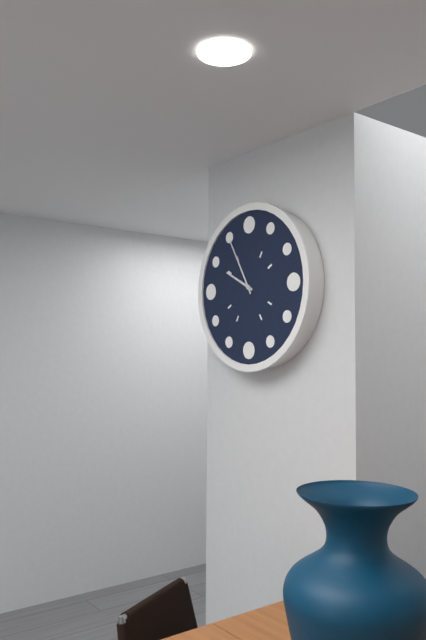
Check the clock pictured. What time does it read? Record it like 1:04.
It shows 9:55
